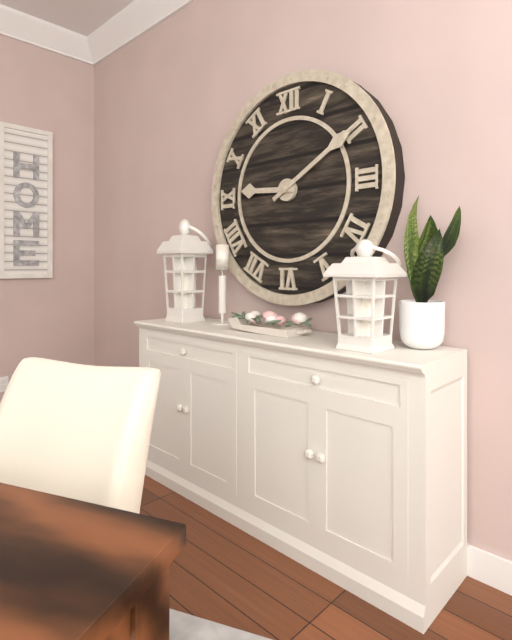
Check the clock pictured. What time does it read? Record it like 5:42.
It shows 9:10
